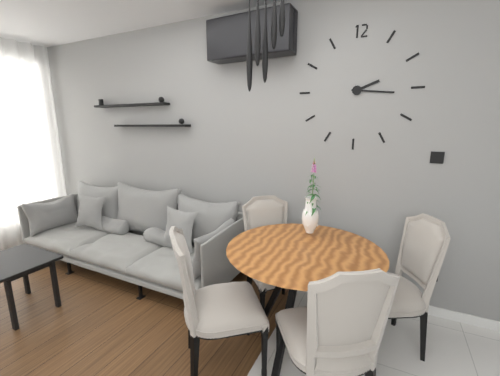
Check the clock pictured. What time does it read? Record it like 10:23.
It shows 2:16
